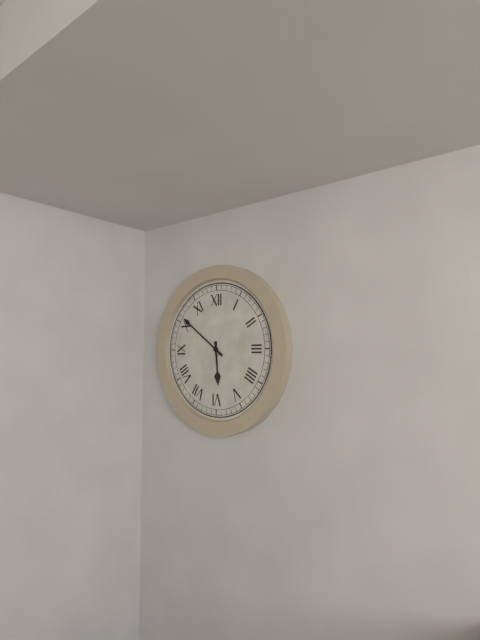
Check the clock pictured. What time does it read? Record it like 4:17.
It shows 5:51
